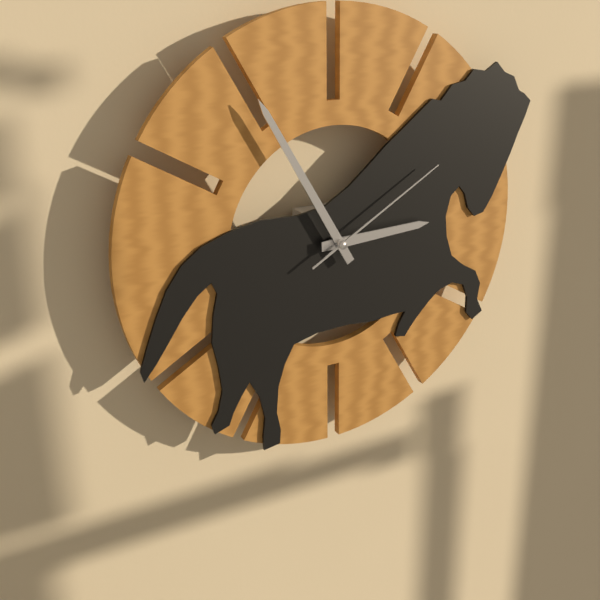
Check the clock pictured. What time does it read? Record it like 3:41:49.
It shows 2:55:10
